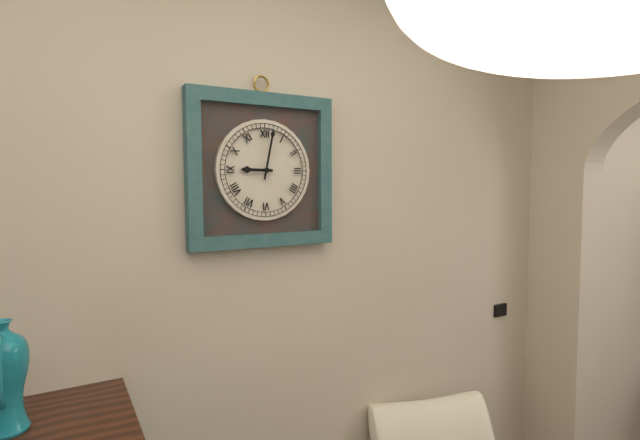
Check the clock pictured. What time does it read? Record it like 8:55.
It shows 9:02
